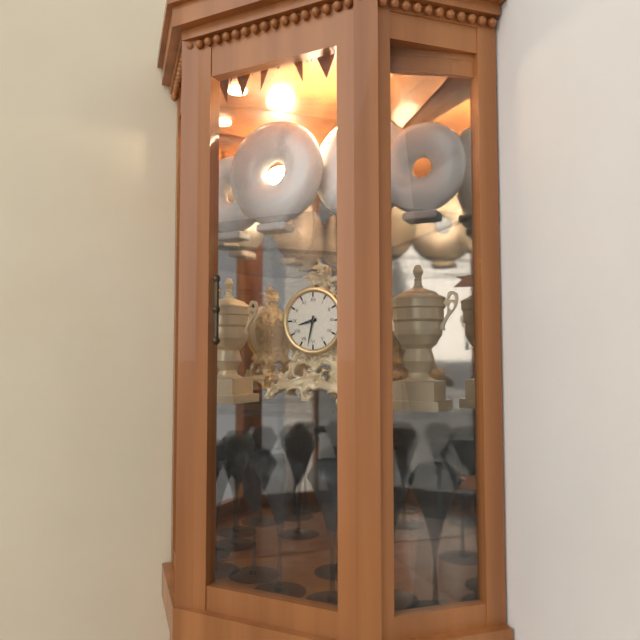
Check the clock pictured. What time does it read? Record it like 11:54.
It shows 8:32
